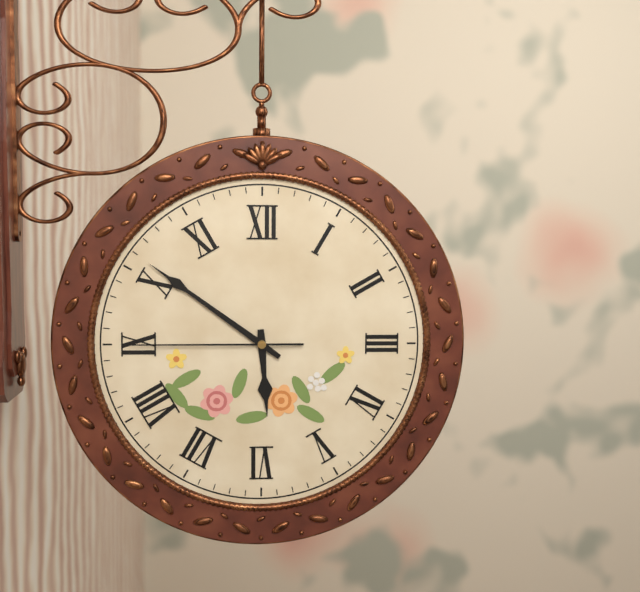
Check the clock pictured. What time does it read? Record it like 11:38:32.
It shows 5:51:45
